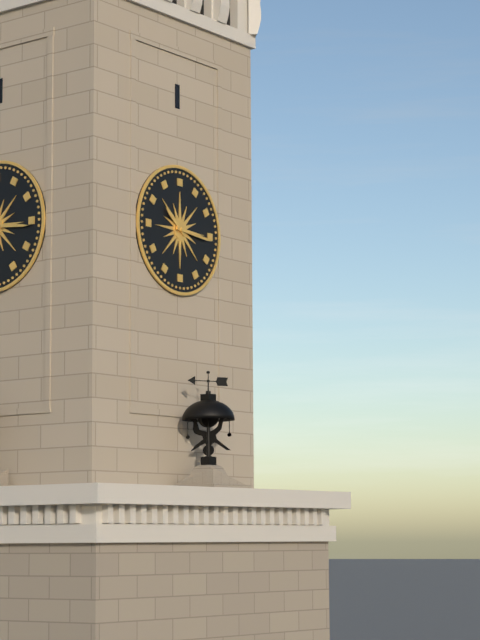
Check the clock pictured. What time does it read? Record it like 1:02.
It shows 10:16
